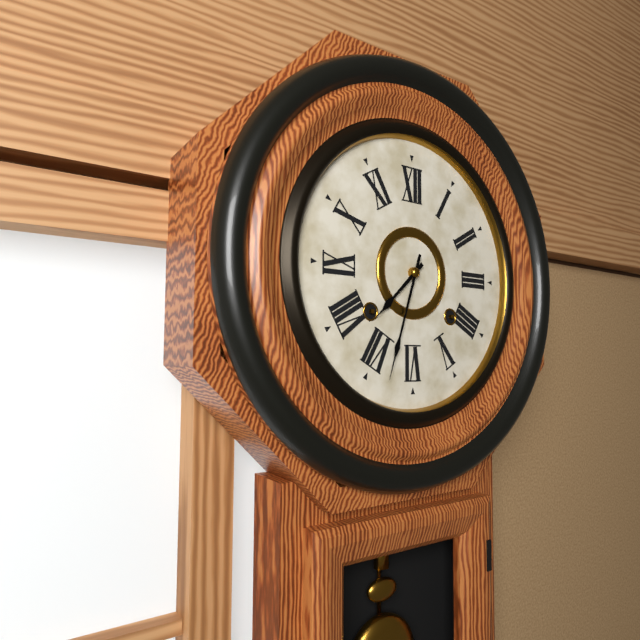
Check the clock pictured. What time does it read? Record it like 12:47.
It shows 7:33
